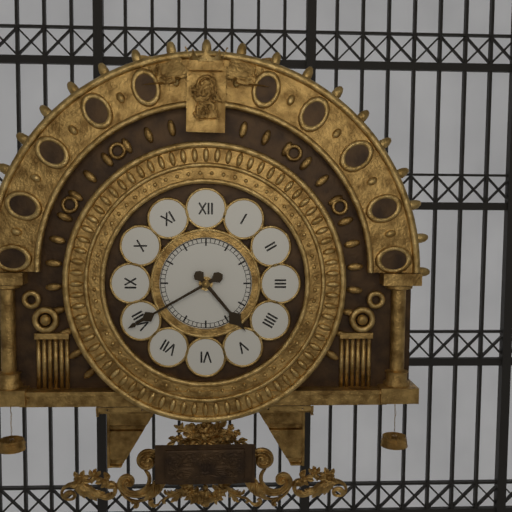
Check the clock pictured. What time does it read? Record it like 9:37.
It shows 4:40
